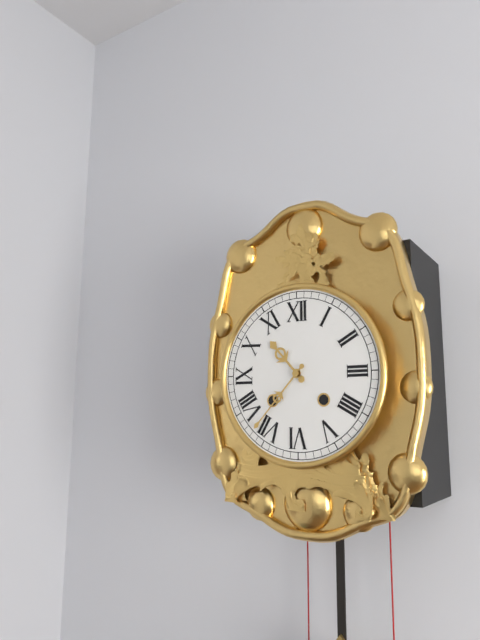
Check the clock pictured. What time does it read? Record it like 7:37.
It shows 10:37
